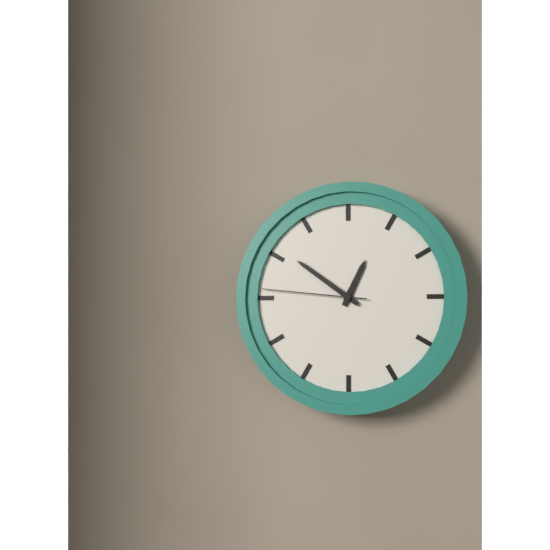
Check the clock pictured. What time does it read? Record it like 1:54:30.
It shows 12:51:46
